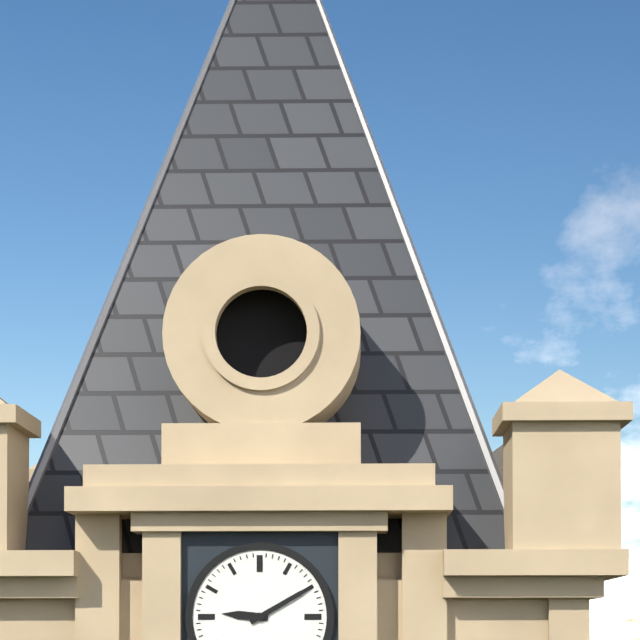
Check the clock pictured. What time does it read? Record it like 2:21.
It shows 9:10
